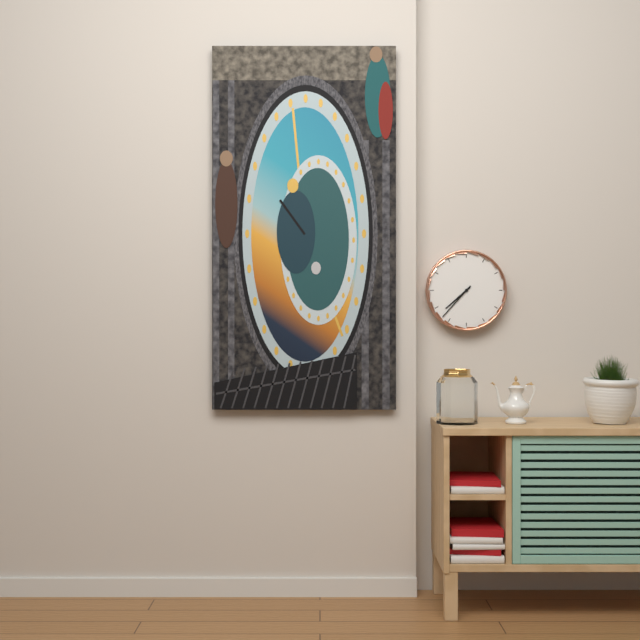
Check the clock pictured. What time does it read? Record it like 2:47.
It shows 7:37
